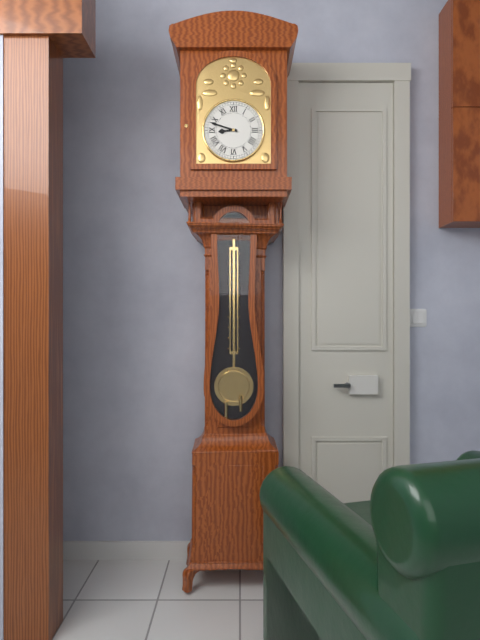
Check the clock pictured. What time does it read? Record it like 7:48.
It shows 8:48
